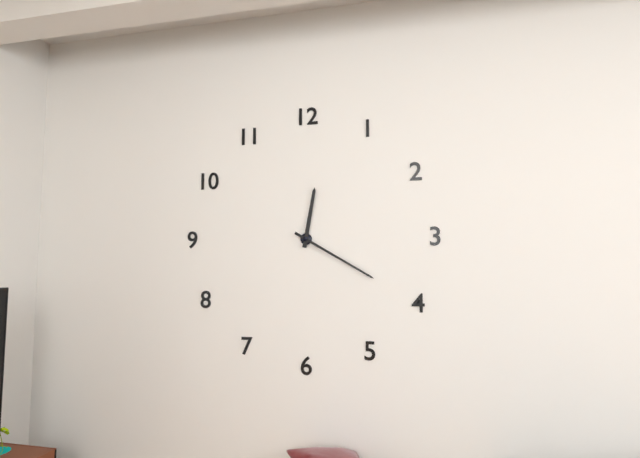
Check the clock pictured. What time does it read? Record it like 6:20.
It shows 12:20
